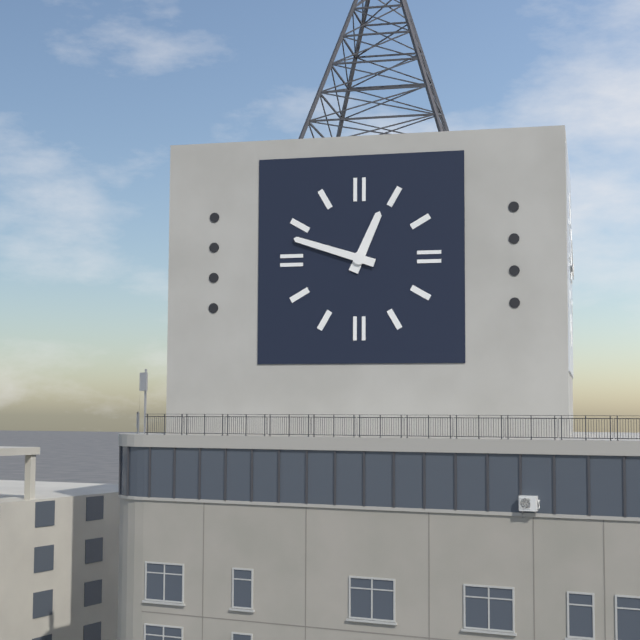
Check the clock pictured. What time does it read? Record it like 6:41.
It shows 12:48
